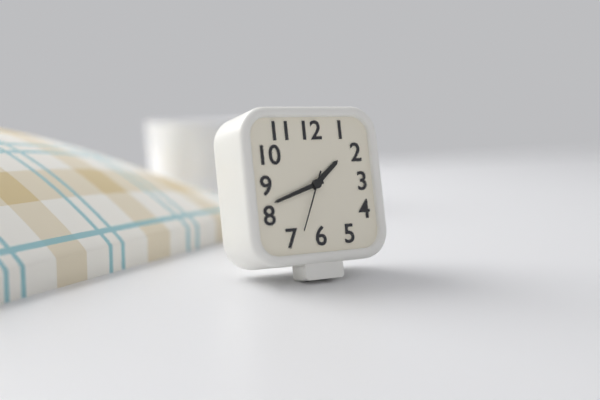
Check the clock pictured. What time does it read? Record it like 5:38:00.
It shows 1:42:34
